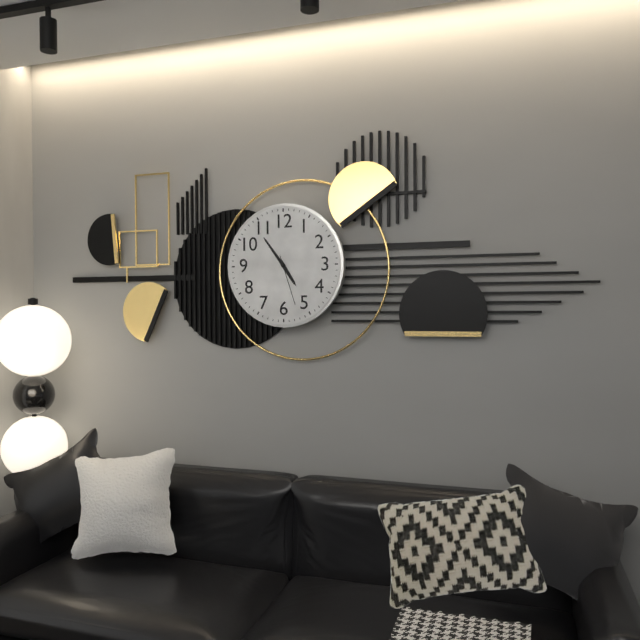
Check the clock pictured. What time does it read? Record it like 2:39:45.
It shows 4:54:27
